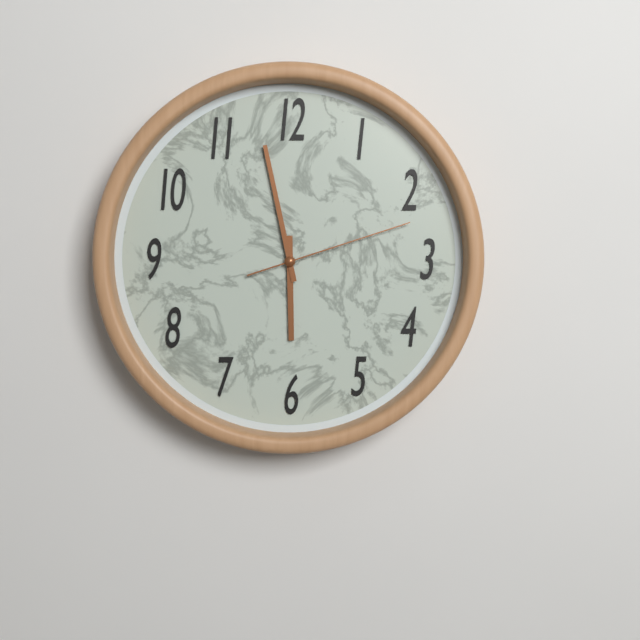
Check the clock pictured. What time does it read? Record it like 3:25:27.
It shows 5:58:12
